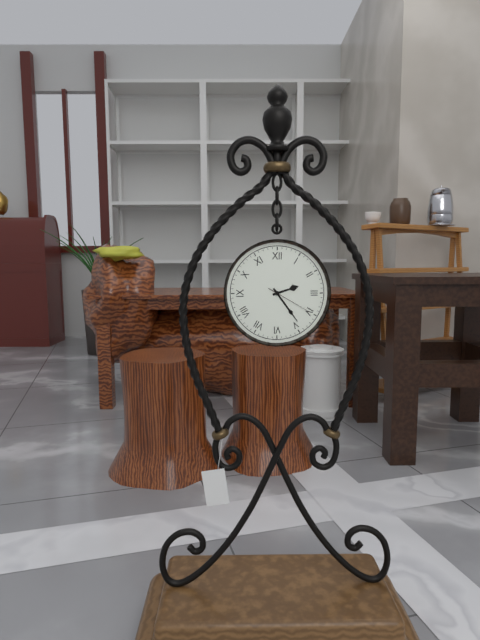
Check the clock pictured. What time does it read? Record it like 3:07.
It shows 2:24
